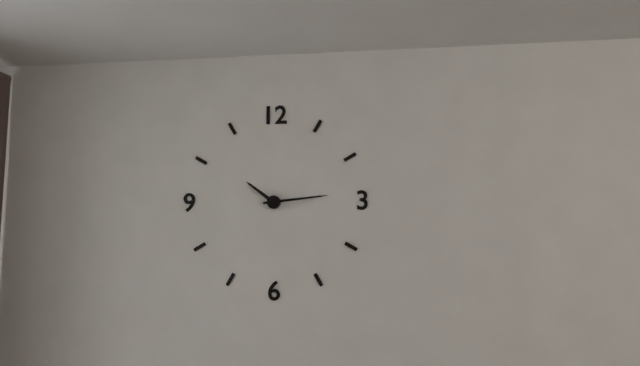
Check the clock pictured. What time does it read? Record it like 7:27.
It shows 10:14
